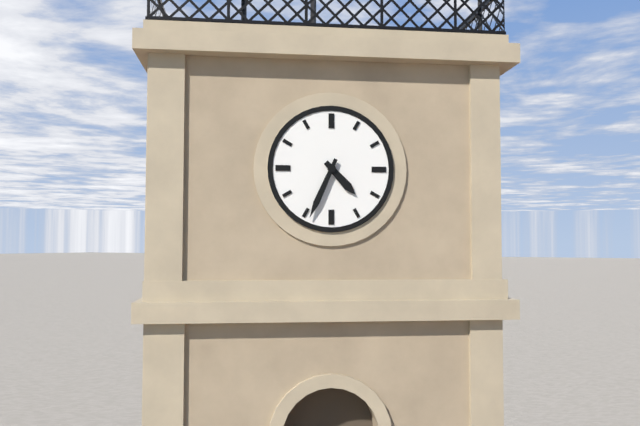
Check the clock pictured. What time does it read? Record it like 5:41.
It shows 4:34
